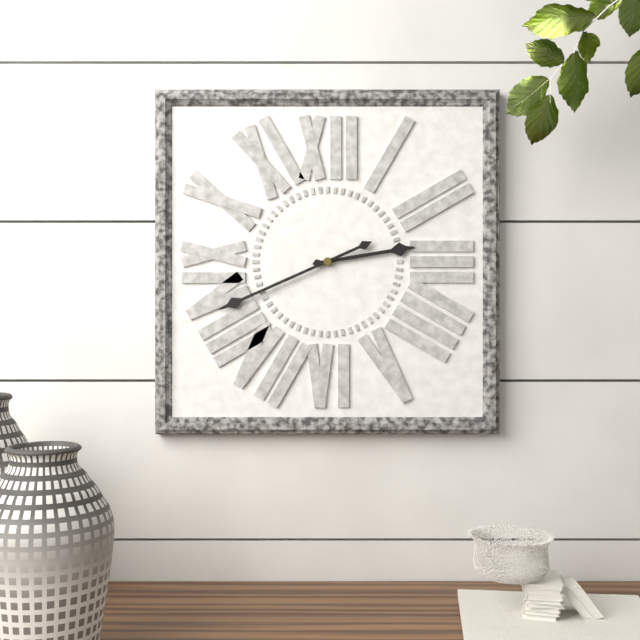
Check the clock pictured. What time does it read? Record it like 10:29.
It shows 2:41
